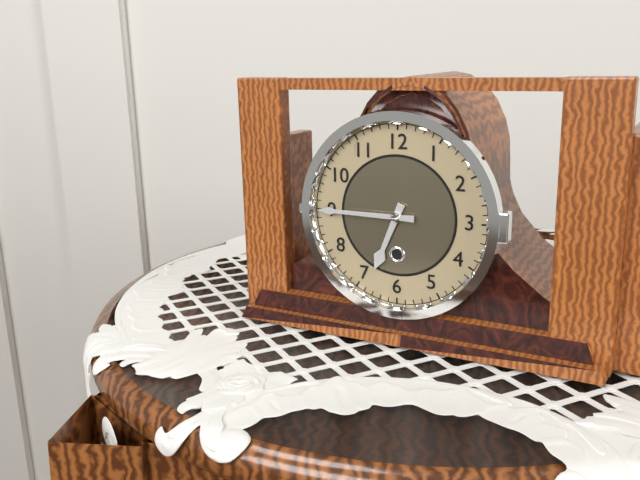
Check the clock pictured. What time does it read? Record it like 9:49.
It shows 6:45
